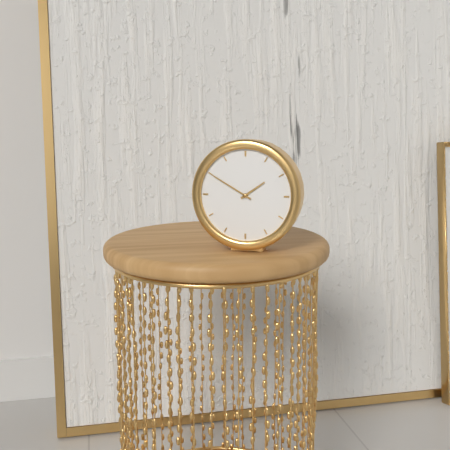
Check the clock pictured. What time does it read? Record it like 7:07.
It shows 1:50
